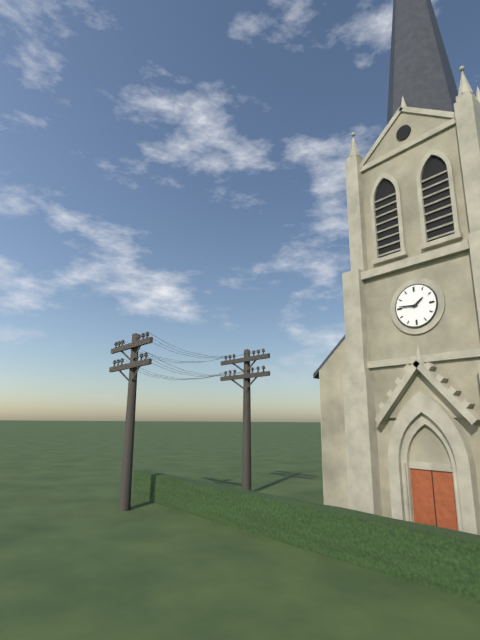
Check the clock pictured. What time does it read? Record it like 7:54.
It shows 1:46
